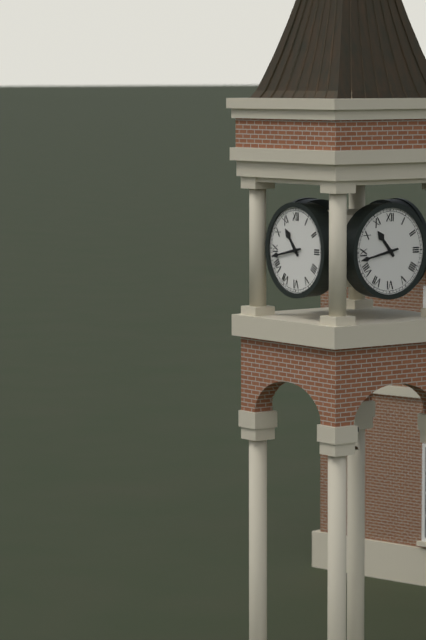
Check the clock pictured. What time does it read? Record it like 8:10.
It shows 10:43
